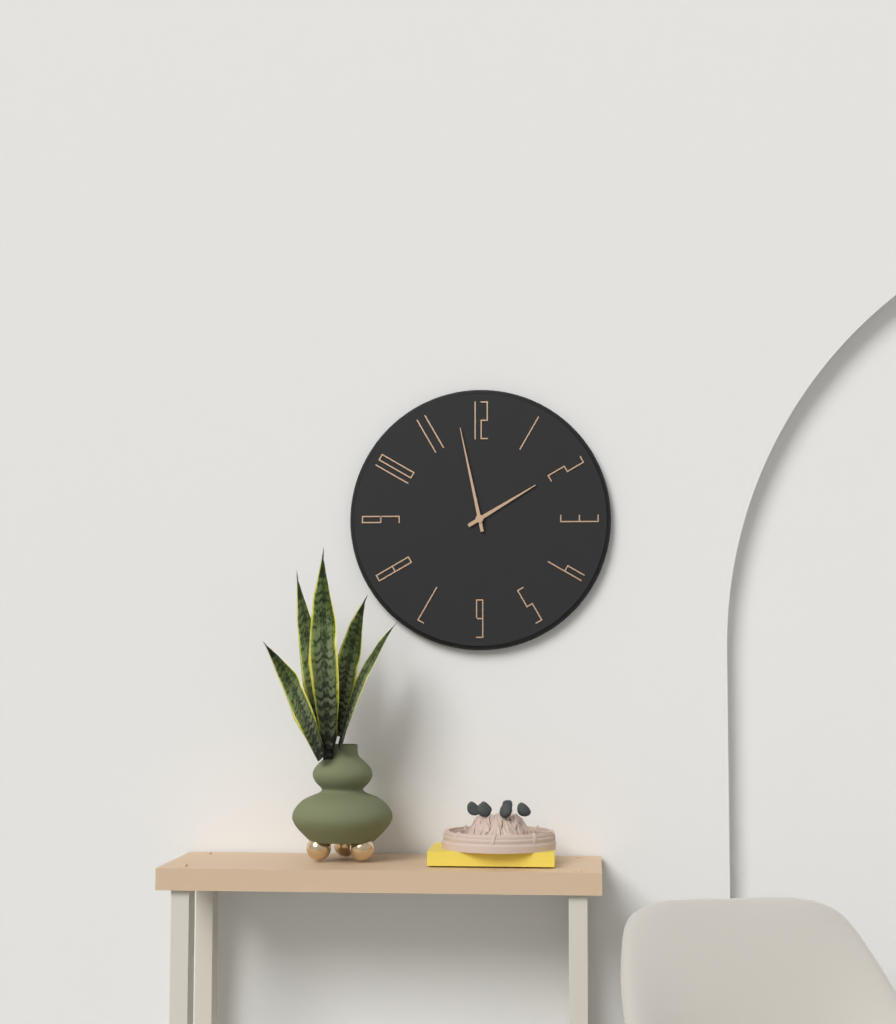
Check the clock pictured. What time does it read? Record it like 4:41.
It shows 1:58
